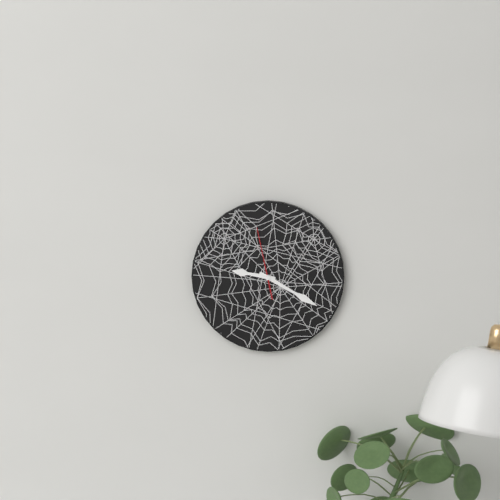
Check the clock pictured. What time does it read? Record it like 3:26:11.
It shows 9:20:58
